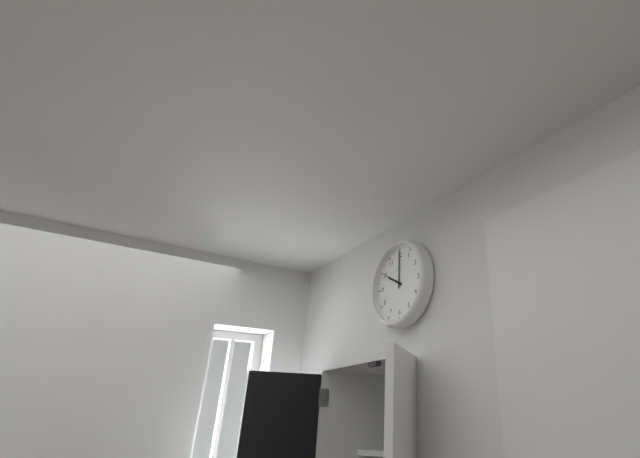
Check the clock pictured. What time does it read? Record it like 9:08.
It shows 10:00
